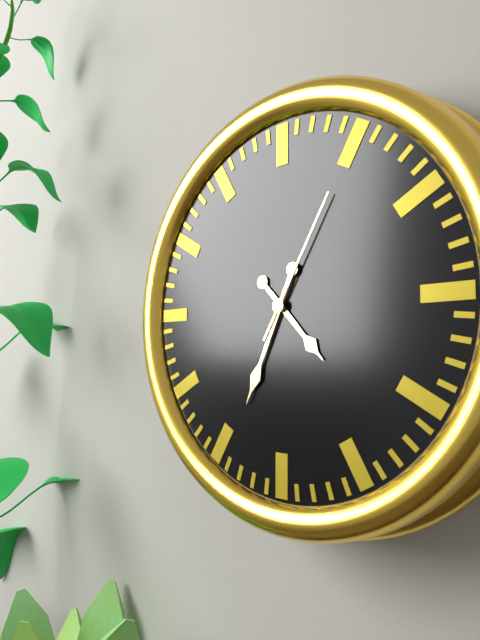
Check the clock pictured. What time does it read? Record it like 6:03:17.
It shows 4:34:05
